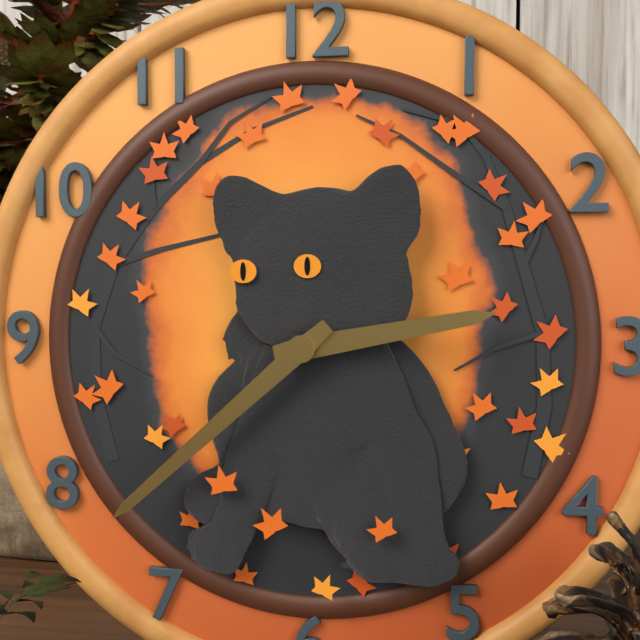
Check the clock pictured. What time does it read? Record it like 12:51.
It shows 2:38
